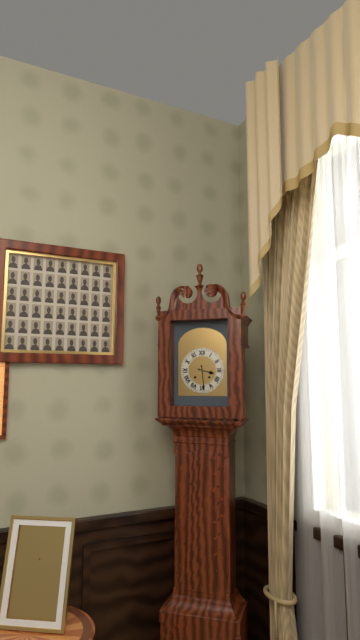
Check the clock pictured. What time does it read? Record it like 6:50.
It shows 3:29
